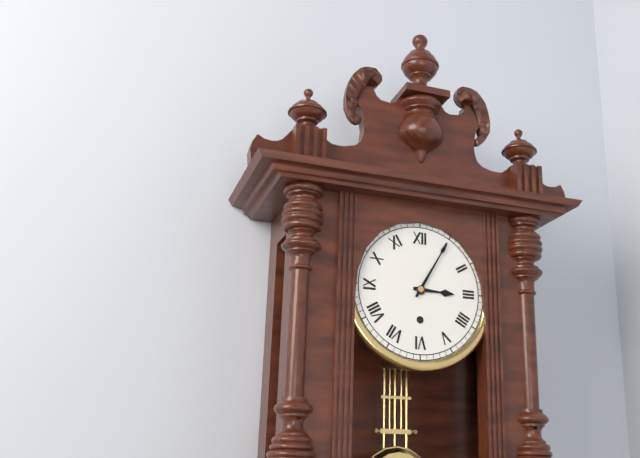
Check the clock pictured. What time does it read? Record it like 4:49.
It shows 3:05
